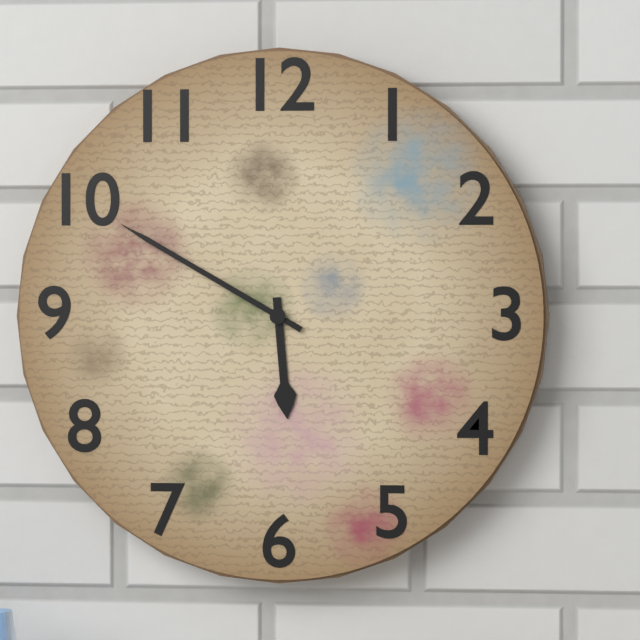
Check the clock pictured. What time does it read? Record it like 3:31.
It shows 5:50
